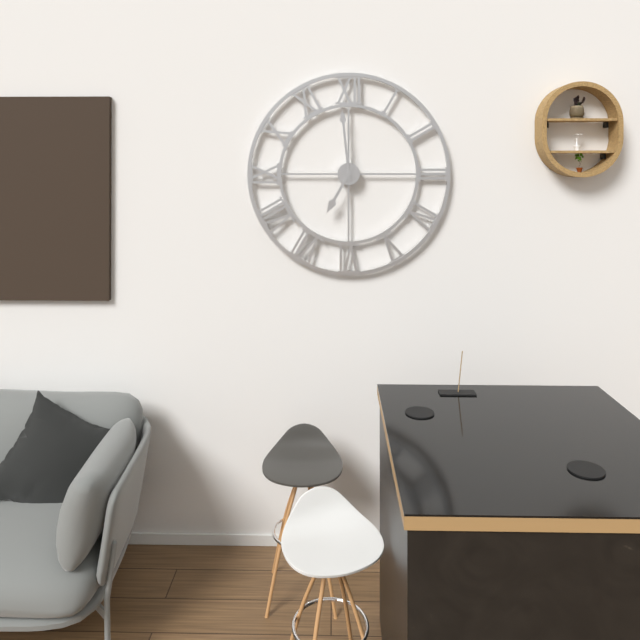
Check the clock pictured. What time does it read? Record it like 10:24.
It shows 6:59
